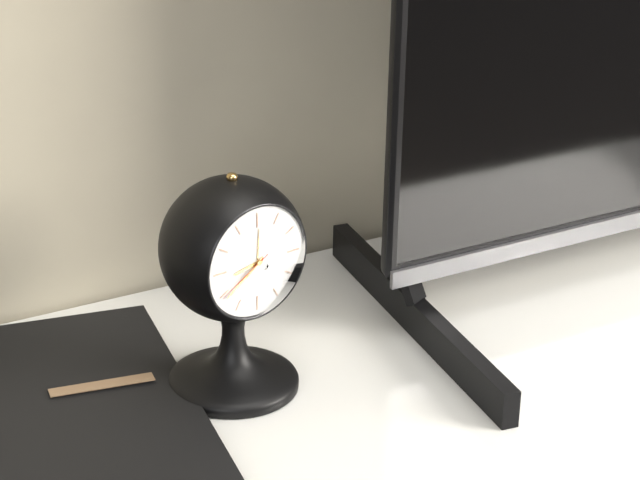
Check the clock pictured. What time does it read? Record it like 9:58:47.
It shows 8:39:40
